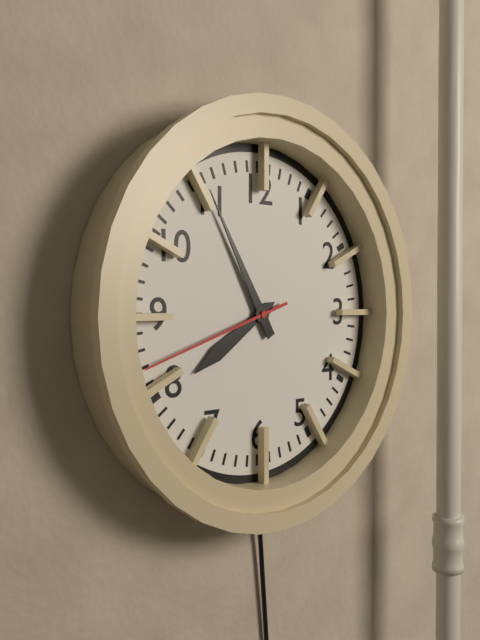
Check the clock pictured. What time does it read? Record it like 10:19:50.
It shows 7:55:42
